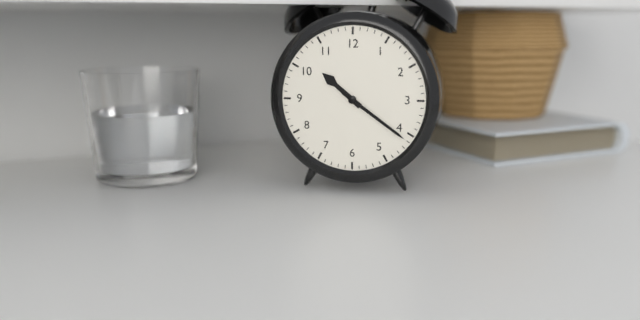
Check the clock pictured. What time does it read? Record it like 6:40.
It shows 10:21
